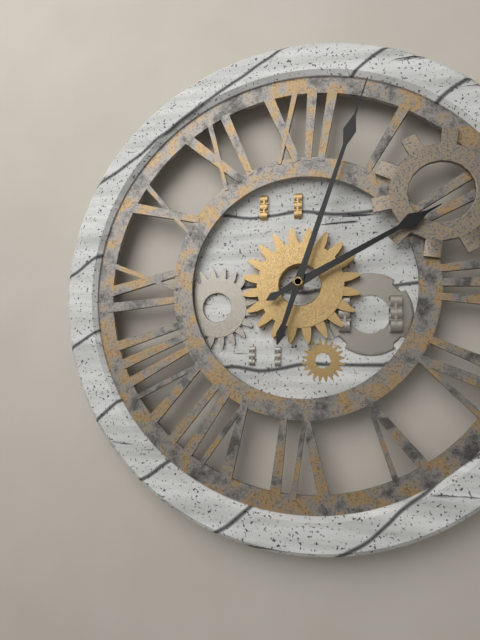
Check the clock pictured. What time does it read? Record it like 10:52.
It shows 2:03
